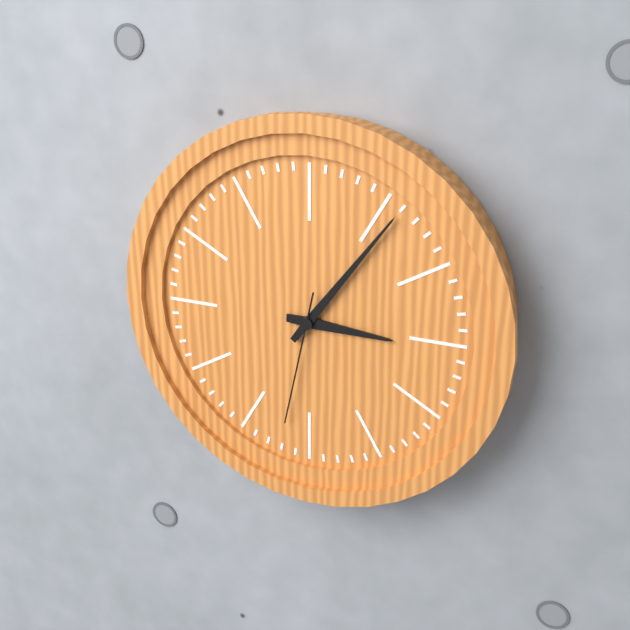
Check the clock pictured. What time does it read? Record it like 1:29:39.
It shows 3:06:32
